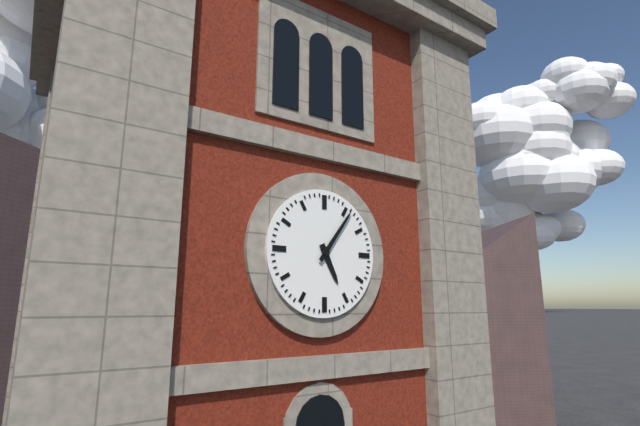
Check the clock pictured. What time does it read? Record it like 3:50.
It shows 5:06
